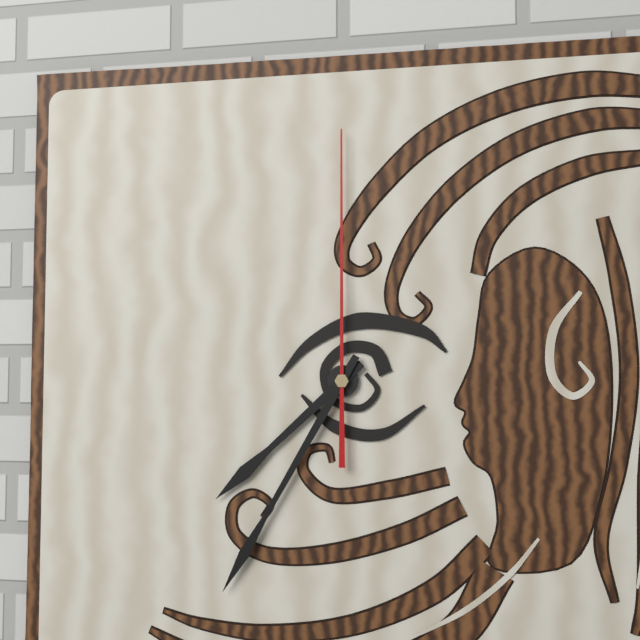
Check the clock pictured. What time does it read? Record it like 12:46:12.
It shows 7:35:00
